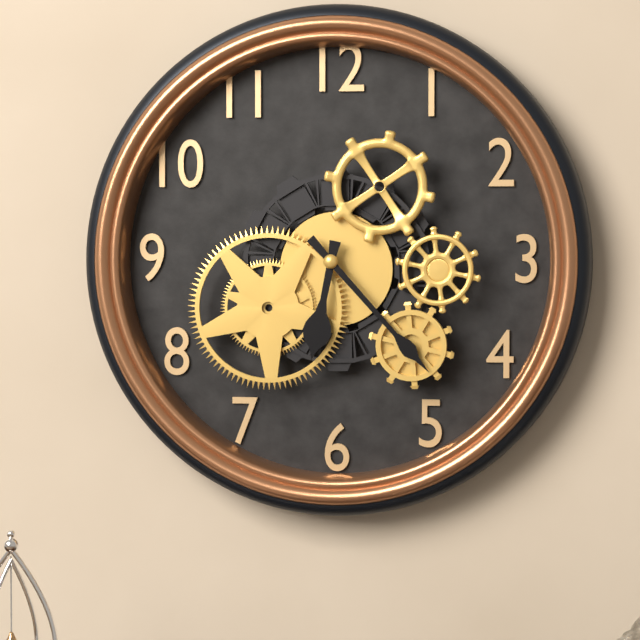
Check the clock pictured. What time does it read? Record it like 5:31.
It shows 6:23
